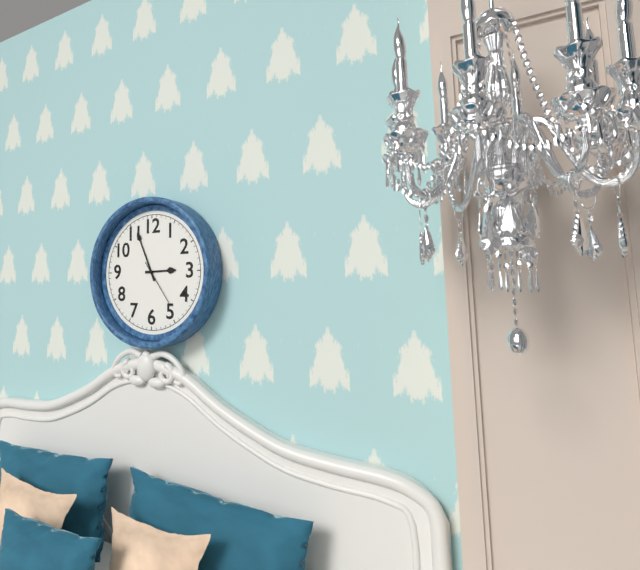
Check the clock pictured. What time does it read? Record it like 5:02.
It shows 2:56
